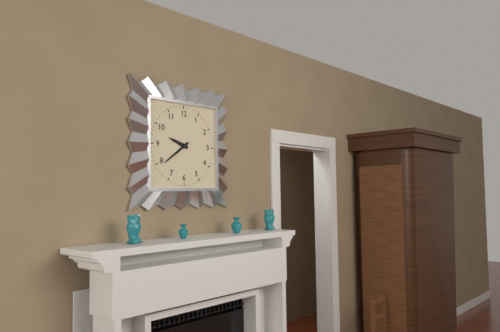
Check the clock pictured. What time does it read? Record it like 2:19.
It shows 9:39
